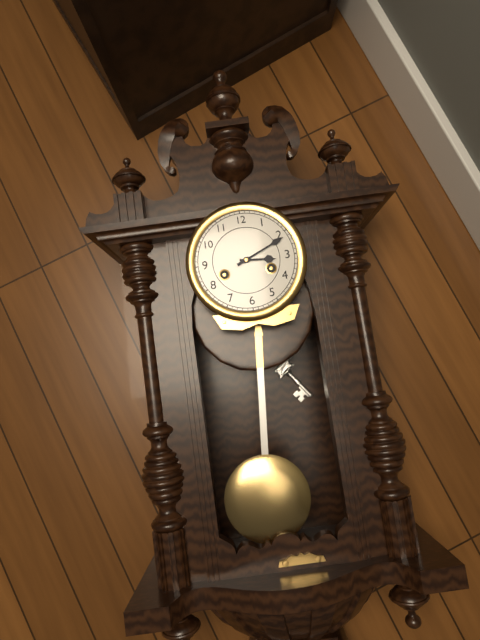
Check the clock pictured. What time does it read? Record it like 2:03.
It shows 3:11
